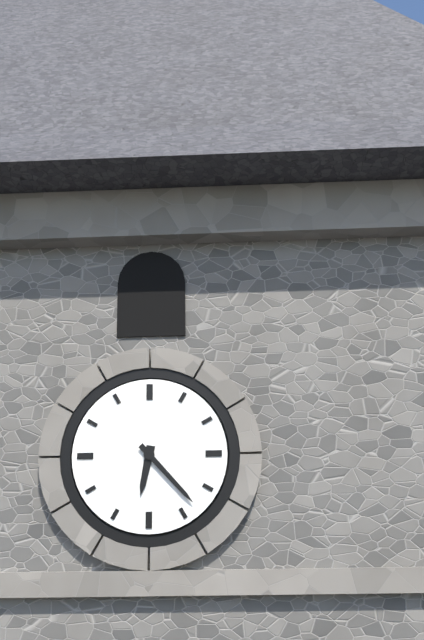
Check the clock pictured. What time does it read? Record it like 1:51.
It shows 6:23
